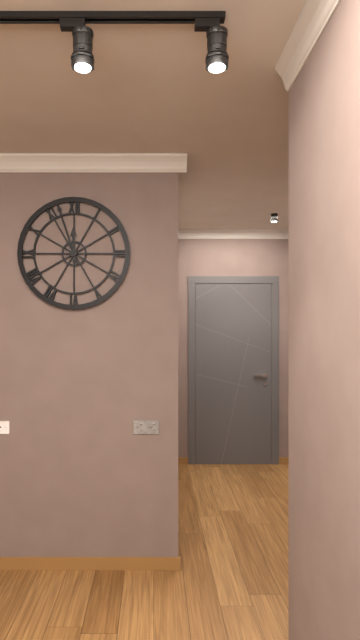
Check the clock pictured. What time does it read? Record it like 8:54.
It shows 11:57
